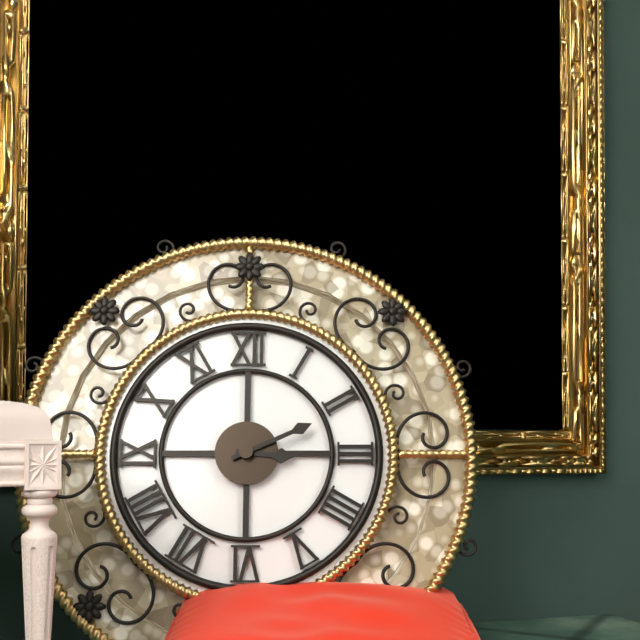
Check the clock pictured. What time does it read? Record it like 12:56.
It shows 3:11
